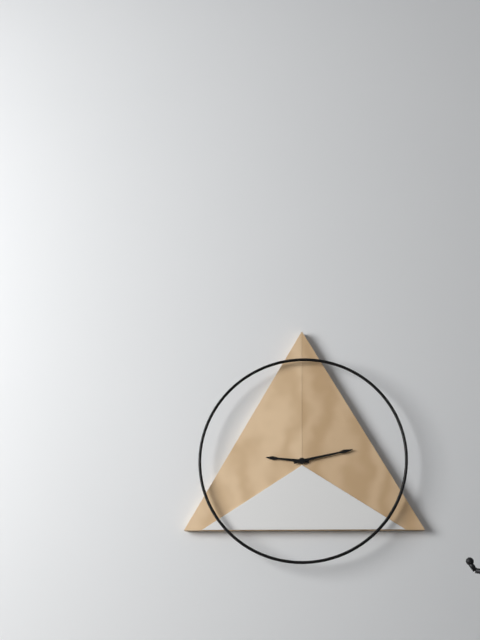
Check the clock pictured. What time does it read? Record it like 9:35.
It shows 9:13
